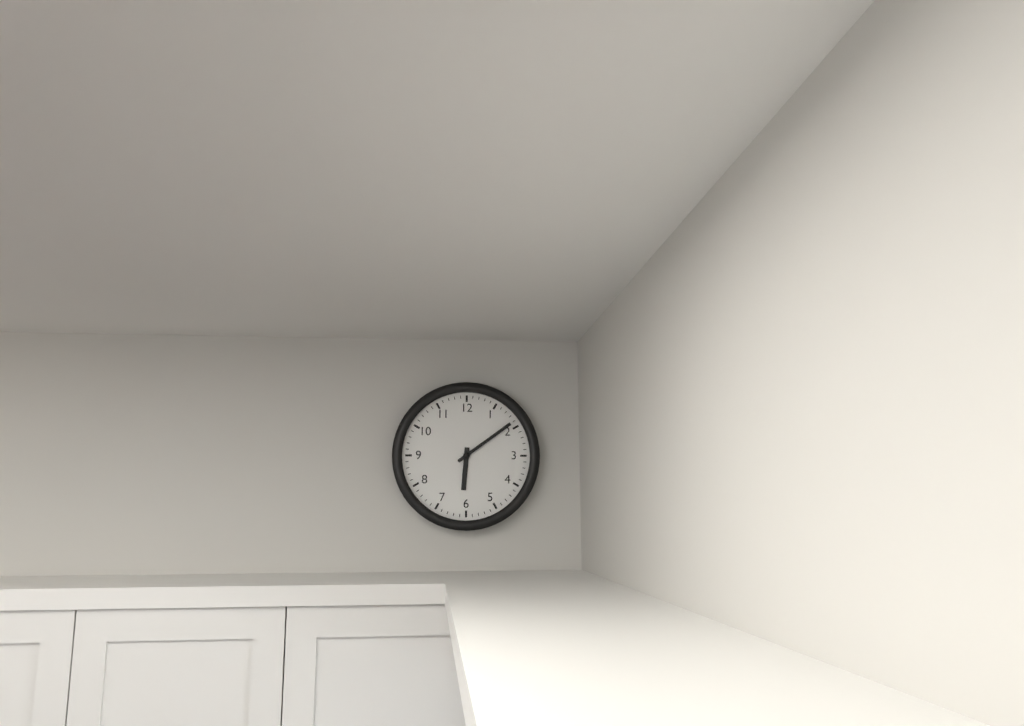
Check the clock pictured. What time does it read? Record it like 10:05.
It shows 6:09
